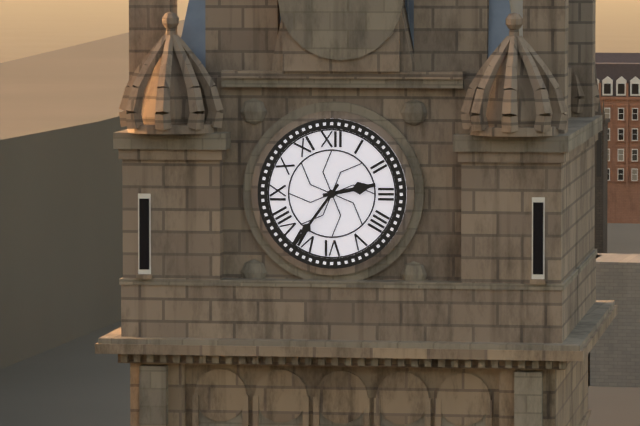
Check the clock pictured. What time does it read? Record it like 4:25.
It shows 2:36
